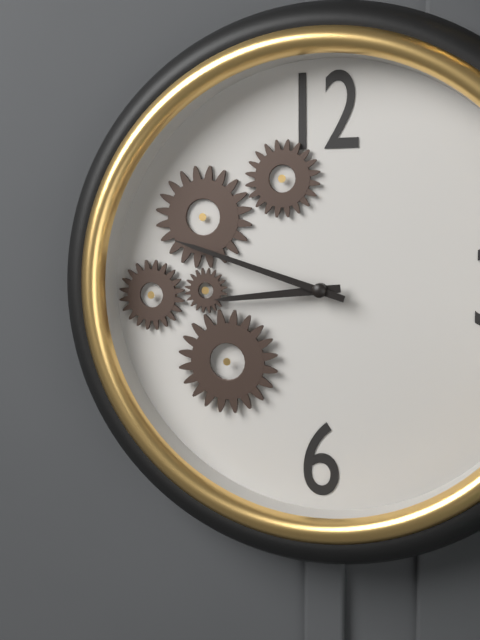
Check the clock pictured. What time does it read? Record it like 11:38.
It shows 8:48
